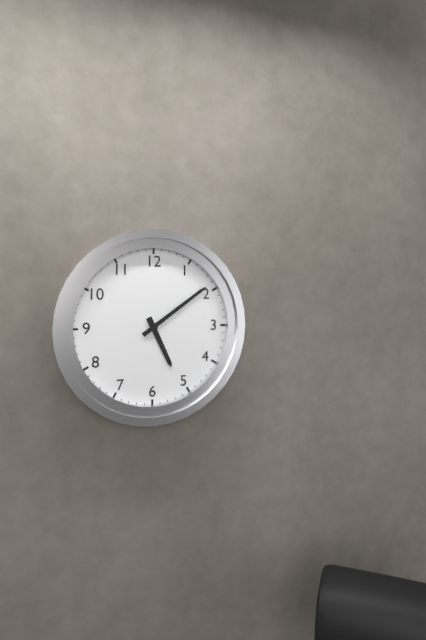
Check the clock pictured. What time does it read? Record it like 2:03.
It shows 5:09
